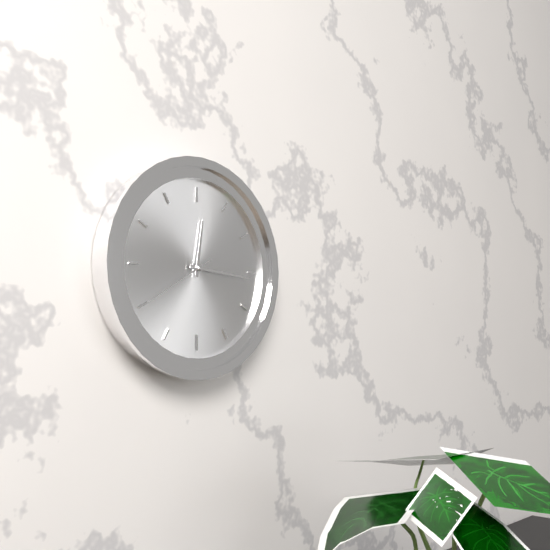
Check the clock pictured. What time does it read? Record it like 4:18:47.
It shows 12:16:40
